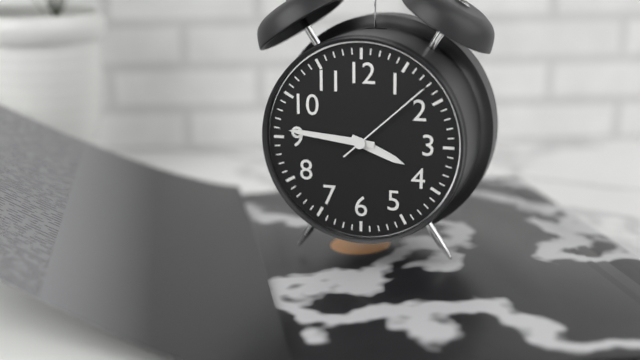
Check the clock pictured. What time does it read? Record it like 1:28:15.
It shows 3:46:08
